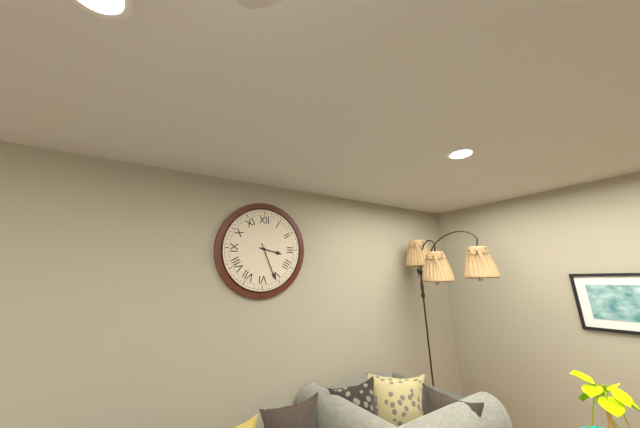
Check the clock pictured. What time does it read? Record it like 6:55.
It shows 3:26
